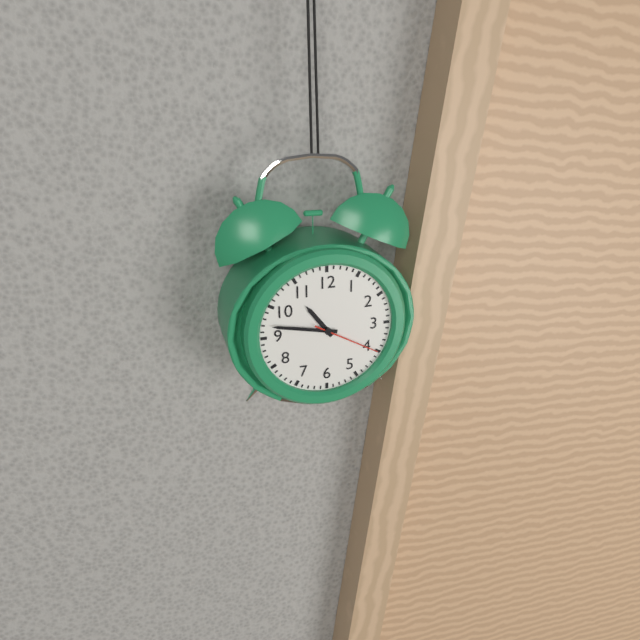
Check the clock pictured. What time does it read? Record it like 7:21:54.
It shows 10:47:20
